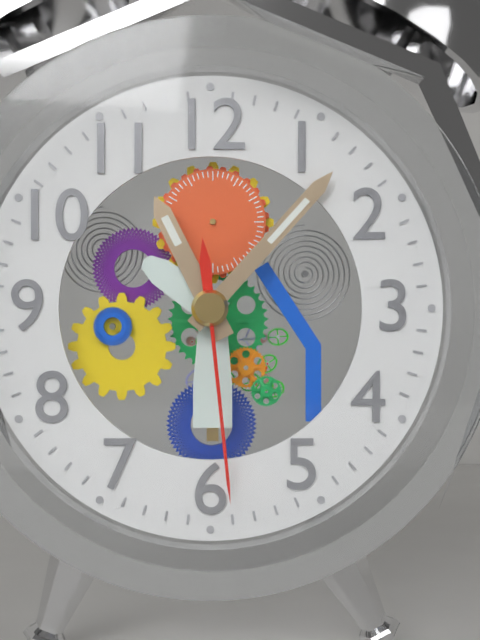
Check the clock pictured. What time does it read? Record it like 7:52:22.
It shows 11:07:29
